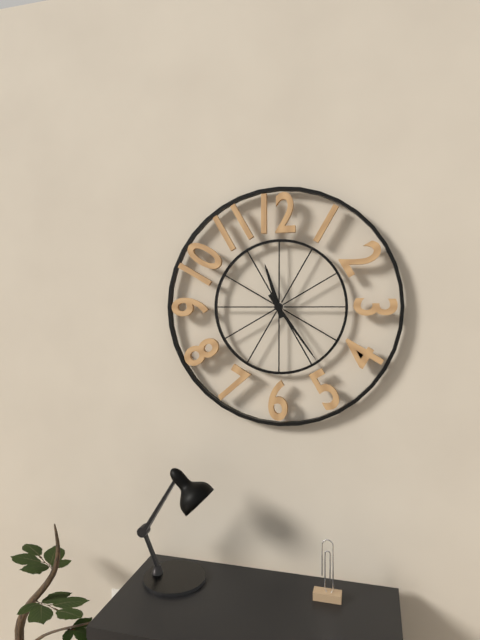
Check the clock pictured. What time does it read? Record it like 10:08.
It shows 11:24
